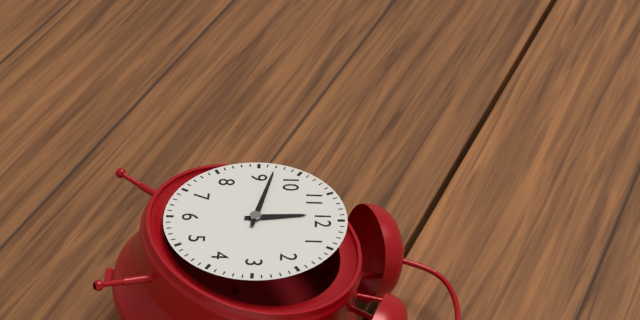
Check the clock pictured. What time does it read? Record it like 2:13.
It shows 11:47
